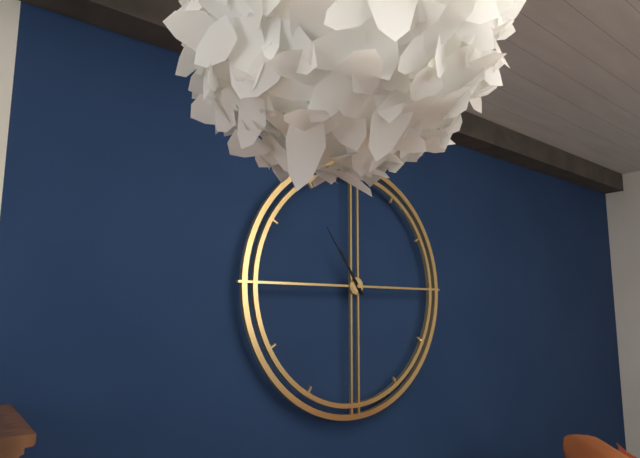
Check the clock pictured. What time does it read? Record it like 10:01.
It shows 10:54
